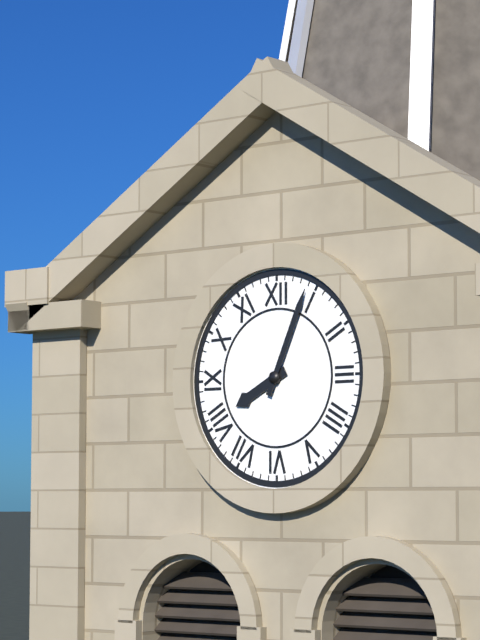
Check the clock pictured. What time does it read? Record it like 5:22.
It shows 8:04
